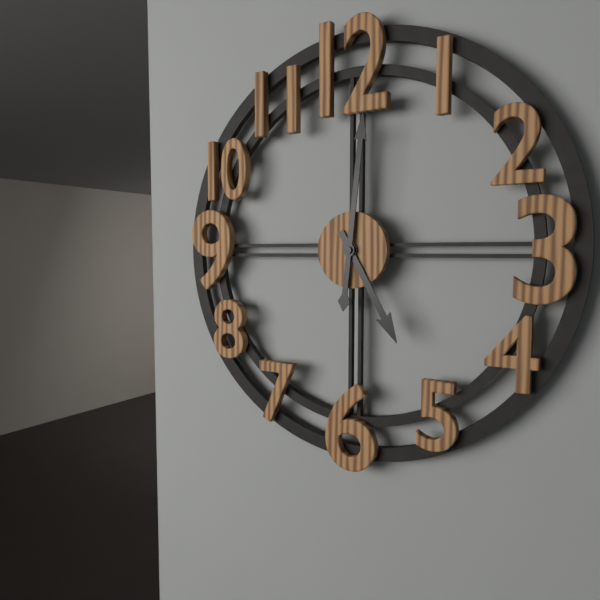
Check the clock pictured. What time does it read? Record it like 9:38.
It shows 5:01
